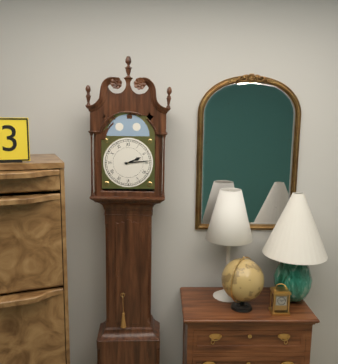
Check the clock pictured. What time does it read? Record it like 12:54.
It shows 2:14
